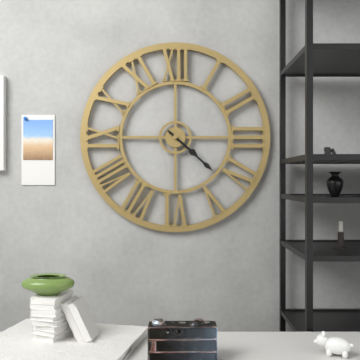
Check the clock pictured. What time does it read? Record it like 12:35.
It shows 4:22
